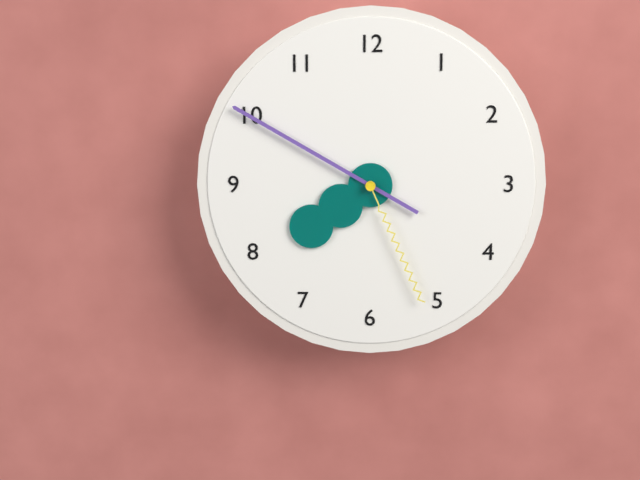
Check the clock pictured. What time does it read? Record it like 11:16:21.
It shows 7:50:26
